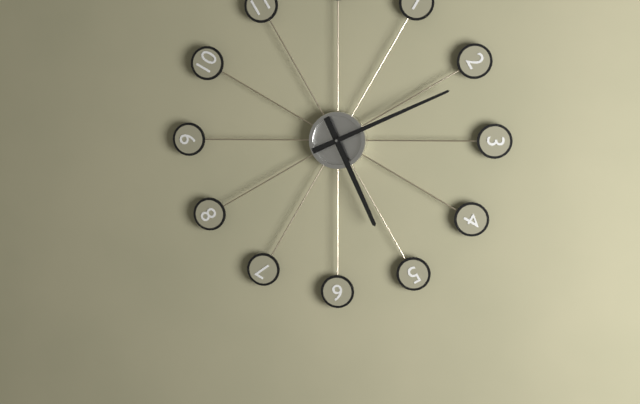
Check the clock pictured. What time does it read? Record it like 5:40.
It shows 5:11
